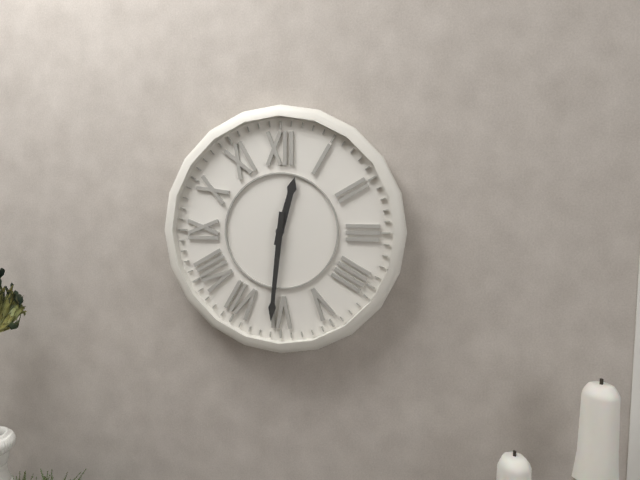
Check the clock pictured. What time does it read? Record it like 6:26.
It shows 12:31
